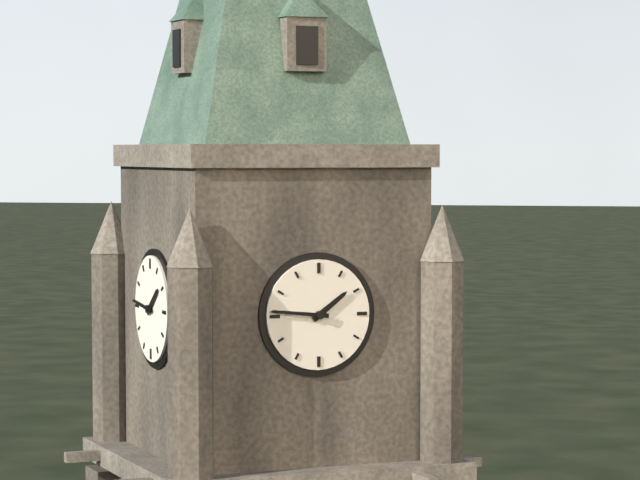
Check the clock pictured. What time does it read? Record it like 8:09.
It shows 1:46
